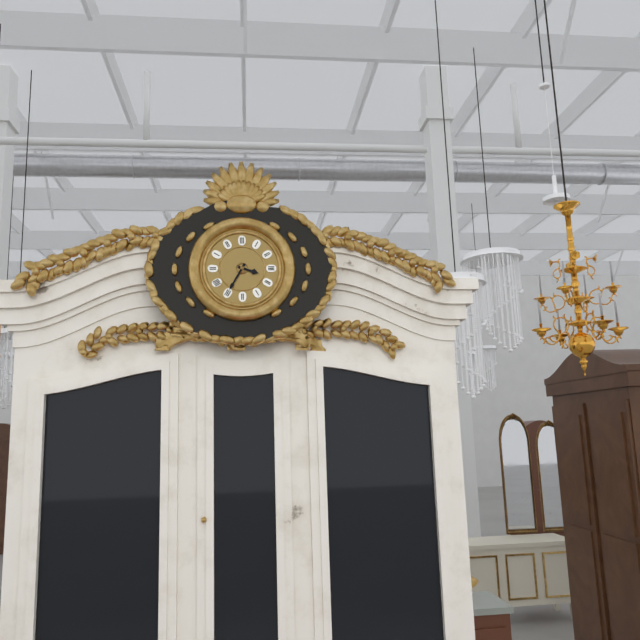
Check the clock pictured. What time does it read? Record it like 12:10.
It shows 3:35
